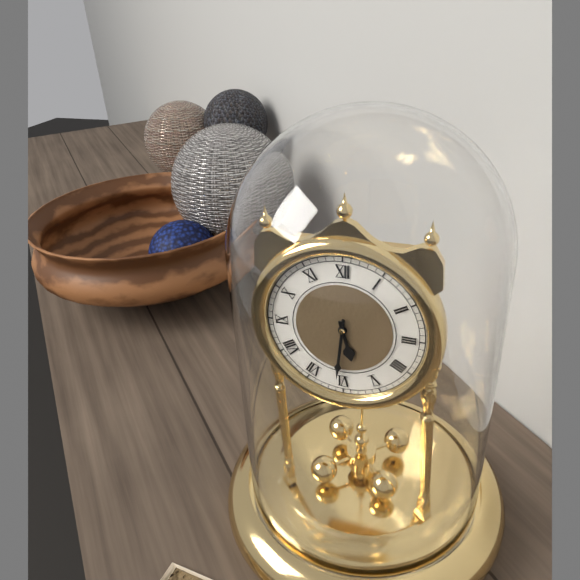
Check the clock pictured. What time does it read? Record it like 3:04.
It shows 5:31
